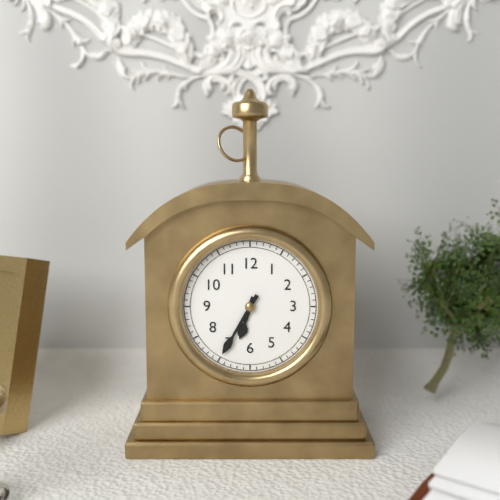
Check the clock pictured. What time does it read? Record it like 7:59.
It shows 6:35
